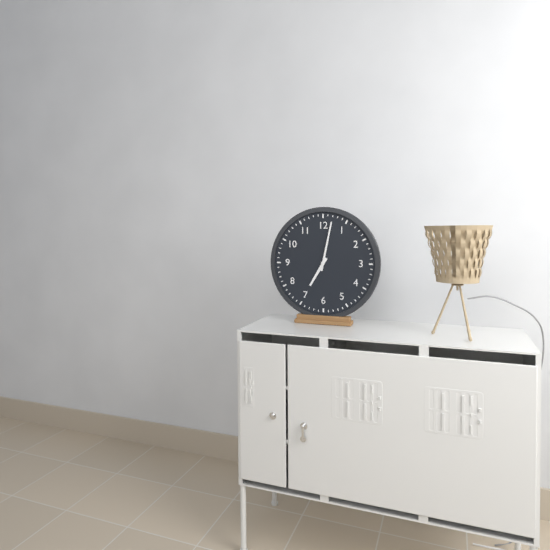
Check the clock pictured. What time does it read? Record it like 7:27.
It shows 7:02
